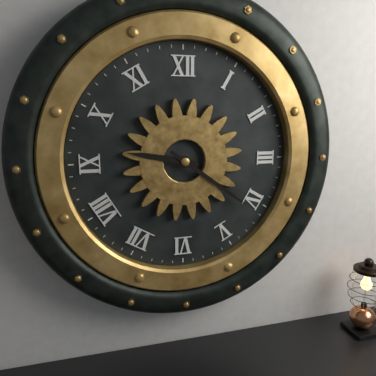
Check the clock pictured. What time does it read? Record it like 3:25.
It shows 9:21
